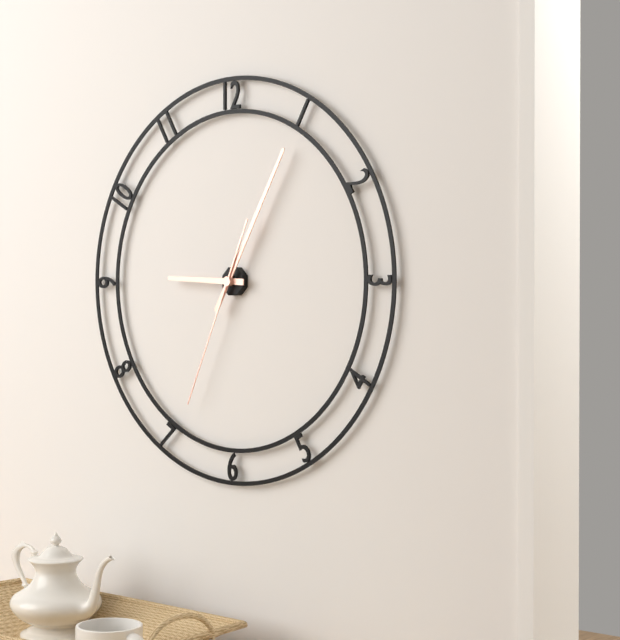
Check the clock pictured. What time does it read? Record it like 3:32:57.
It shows 9:05:34
